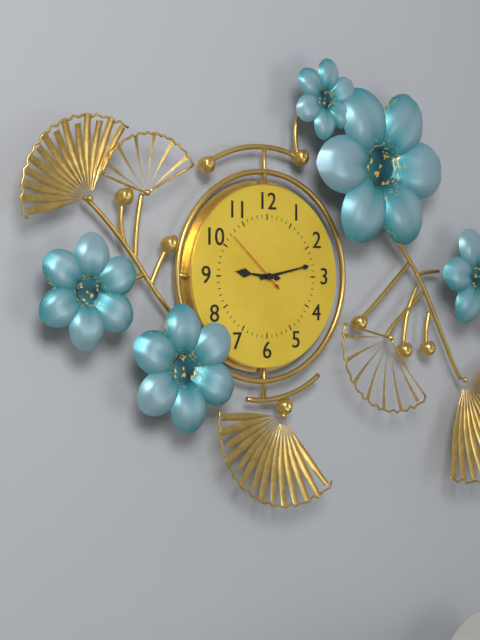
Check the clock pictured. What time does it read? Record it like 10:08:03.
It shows 9:13:52
